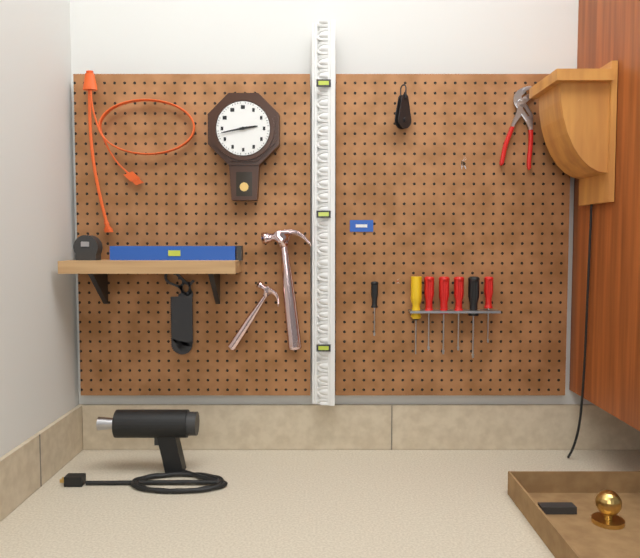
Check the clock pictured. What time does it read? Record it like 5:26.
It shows 2:43
